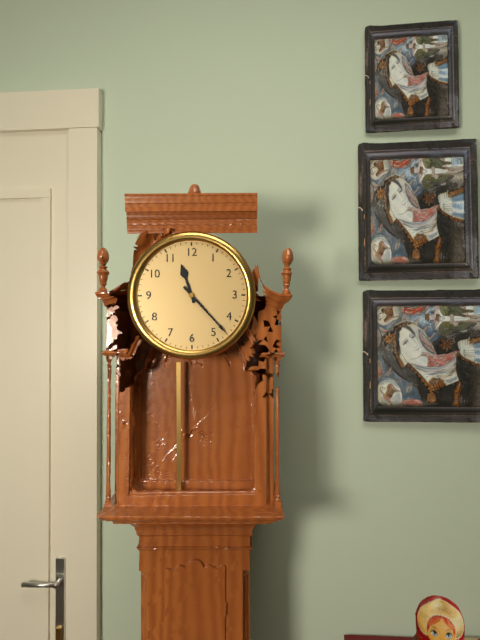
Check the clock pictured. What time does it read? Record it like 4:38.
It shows 11:23
